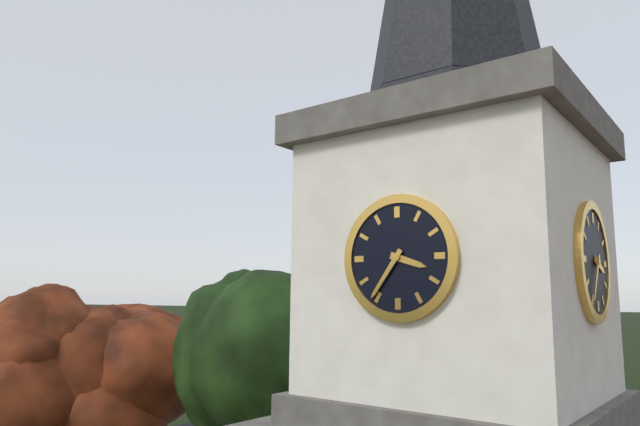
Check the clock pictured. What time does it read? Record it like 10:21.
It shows 3:36
